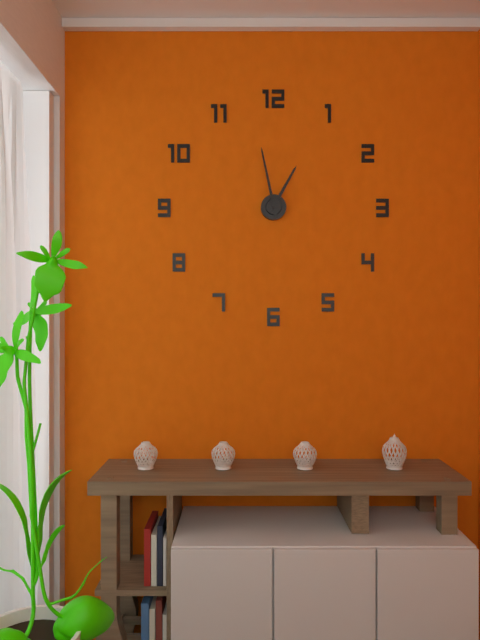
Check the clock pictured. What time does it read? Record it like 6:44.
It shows 12:58
